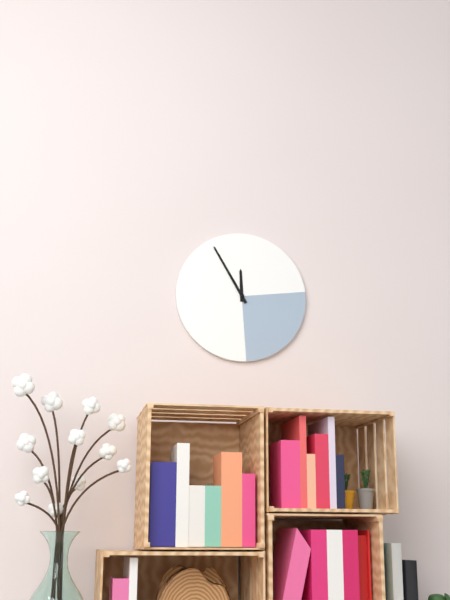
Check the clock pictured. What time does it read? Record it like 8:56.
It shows 11:55
